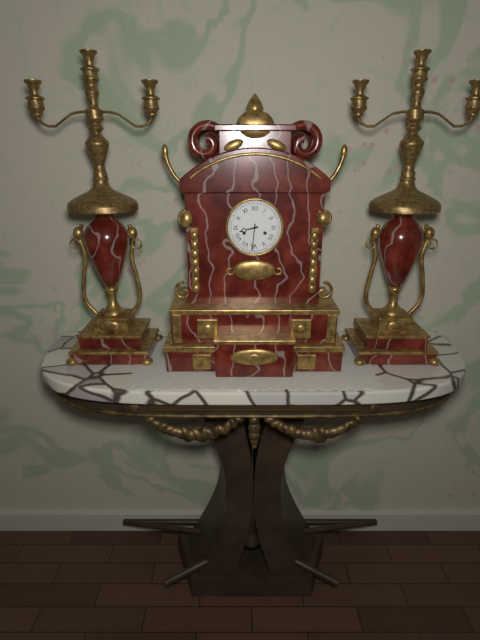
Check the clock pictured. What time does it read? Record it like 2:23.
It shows 8:31
